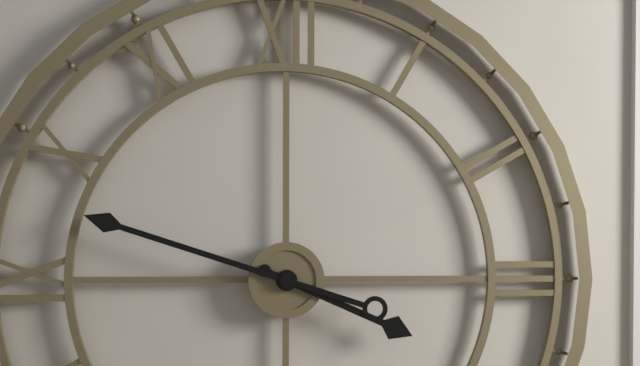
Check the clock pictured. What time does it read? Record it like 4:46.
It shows 3:48
